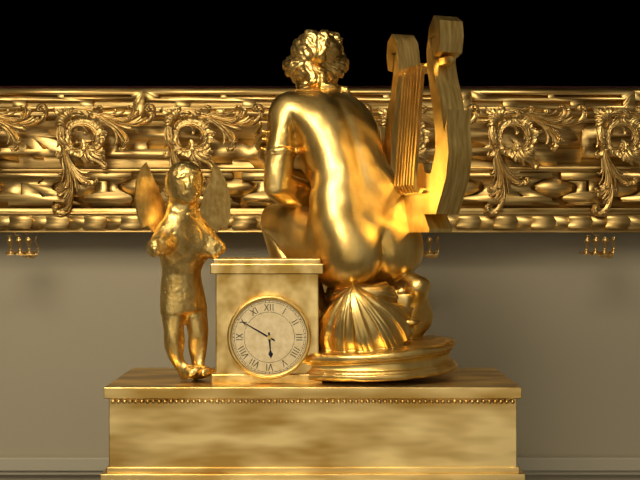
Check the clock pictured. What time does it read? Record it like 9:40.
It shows 5:50
